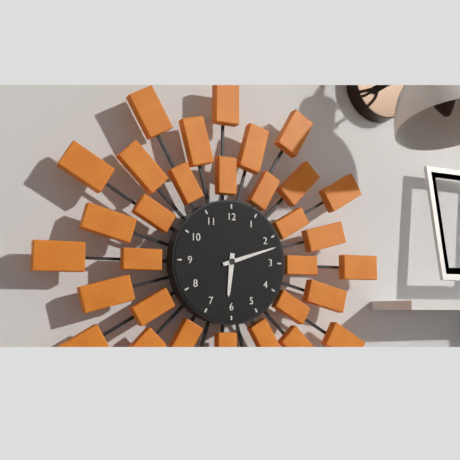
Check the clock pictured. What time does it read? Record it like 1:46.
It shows 6:12
